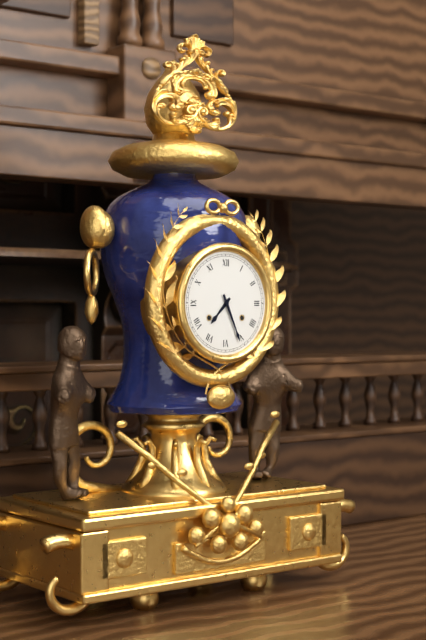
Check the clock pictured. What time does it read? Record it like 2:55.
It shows 7:26
